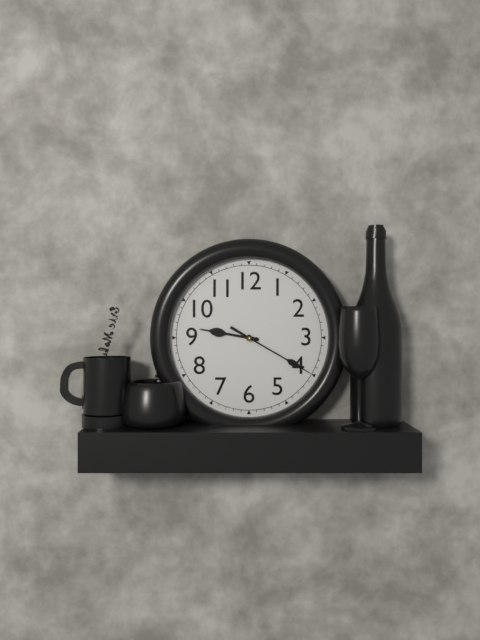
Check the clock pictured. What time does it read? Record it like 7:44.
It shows 9:20
